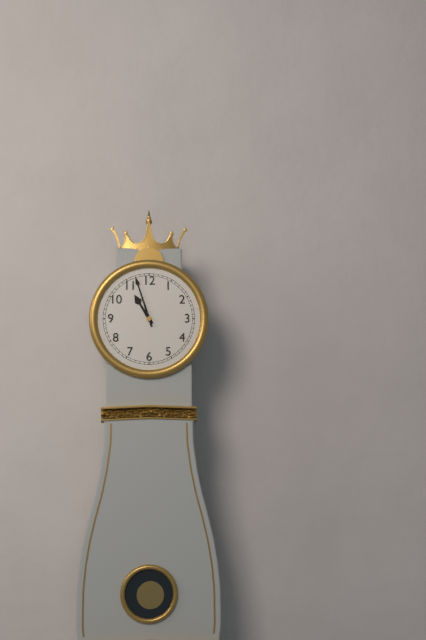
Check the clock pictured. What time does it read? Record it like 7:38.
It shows 10:57
